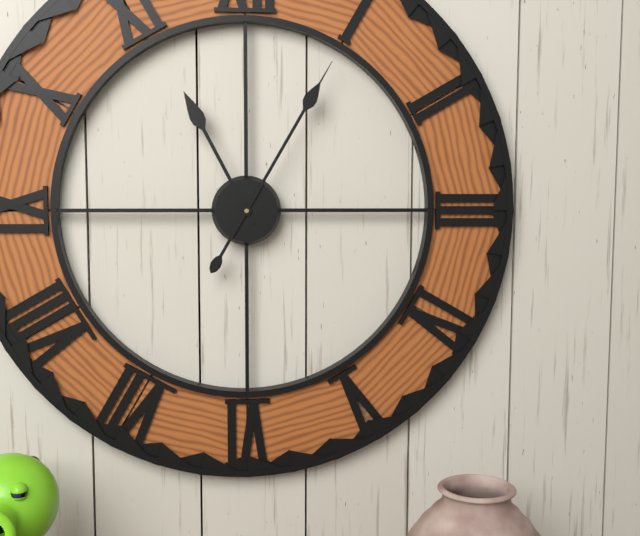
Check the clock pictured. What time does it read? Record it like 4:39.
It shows 11:05
